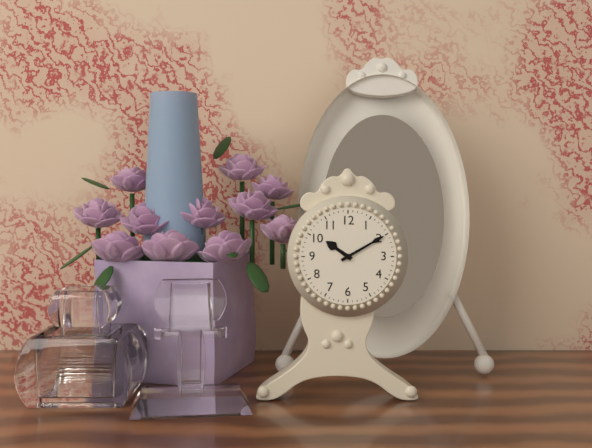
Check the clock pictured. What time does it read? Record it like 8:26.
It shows 10:10
